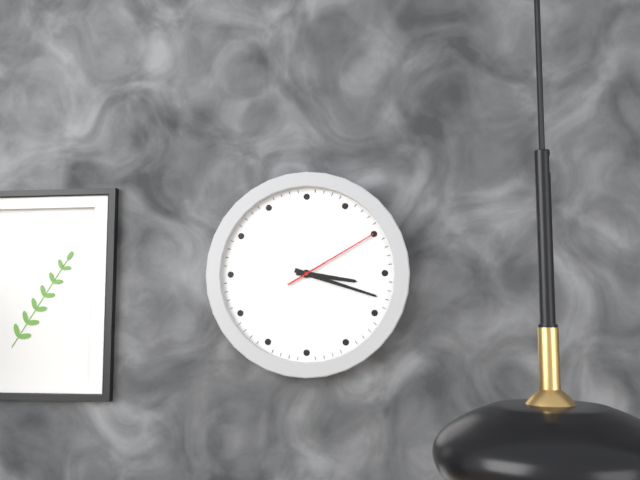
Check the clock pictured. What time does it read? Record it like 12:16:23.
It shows 3:18:10
